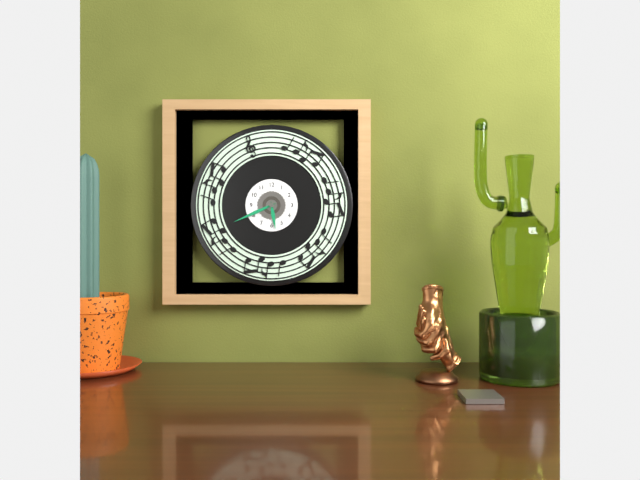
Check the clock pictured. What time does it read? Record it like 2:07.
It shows 5:41
